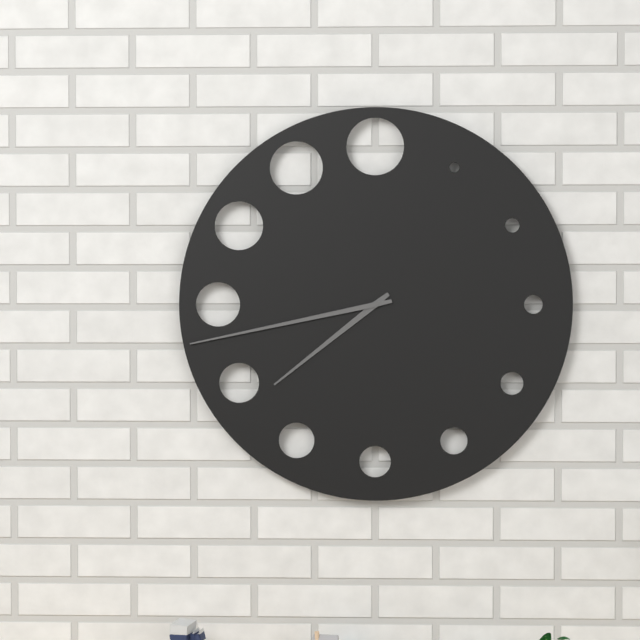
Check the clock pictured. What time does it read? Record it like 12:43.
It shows 7:43
